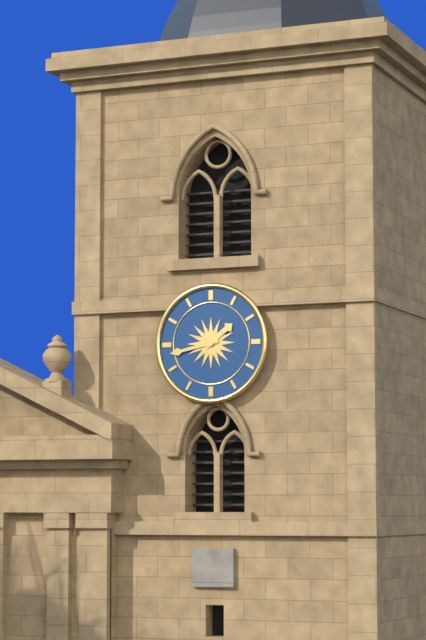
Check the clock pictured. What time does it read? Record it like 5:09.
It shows 1:43
